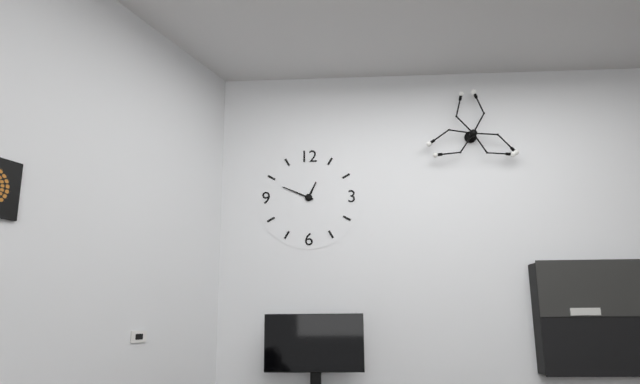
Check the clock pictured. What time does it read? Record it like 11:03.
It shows 12:49
